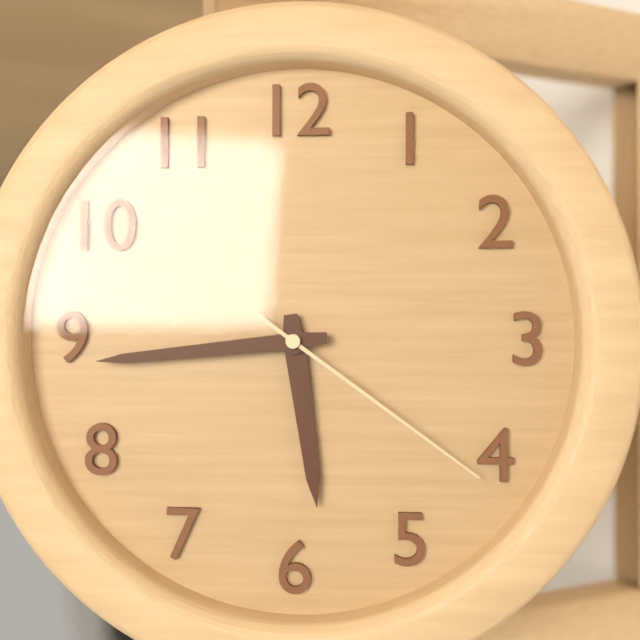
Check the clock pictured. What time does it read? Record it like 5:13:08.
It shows 5:44:21
